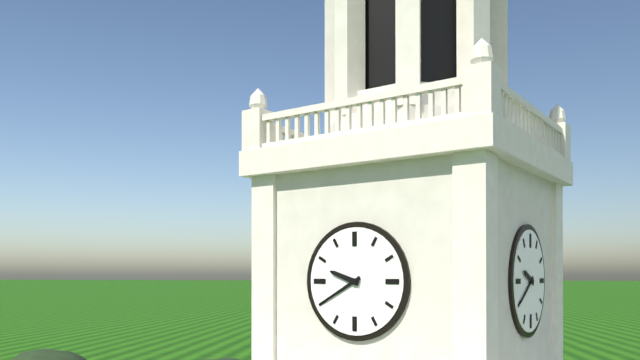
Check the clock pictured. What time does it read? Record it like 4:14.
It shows 9:40
